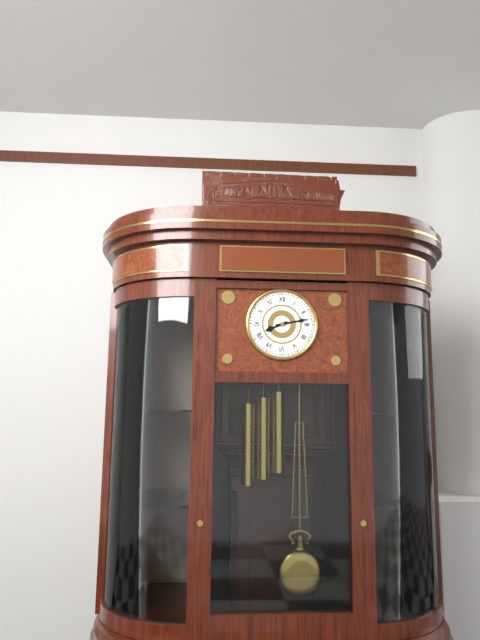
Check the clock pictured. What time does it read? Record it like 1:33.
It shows 8:13
